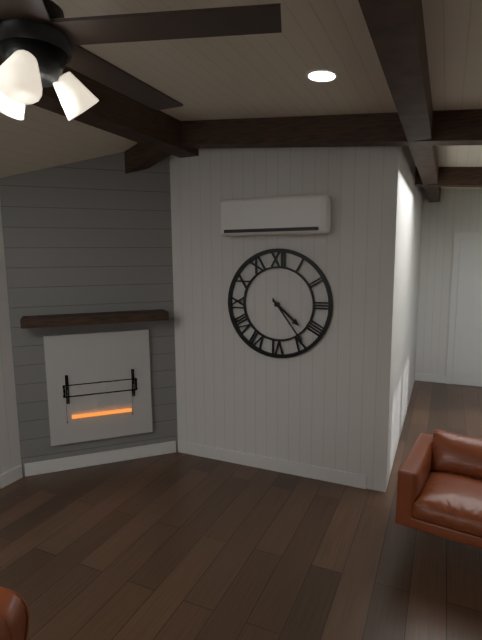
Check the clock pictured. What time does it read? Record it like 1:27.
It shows 4:24
